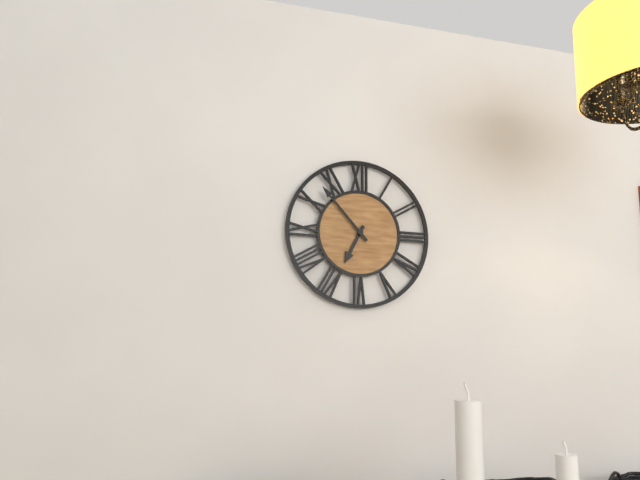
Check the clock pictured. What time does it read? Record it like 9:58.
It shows 6:53
